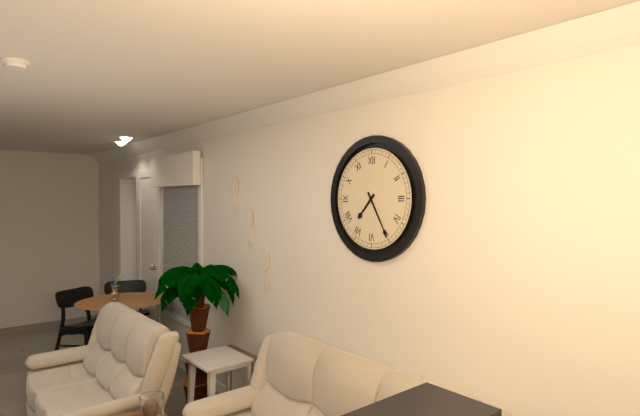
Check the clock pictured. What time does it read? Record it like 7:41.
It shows 7:25
